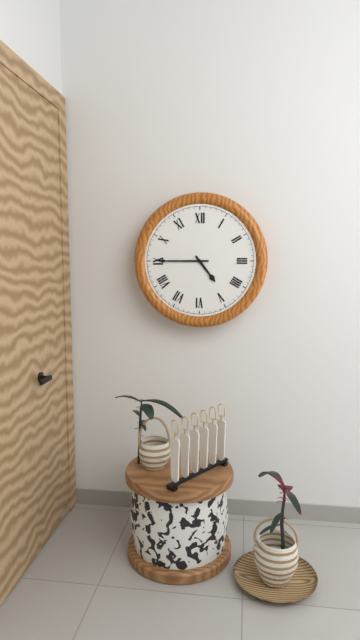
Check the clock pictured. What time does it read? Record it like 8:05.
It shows 4:45
